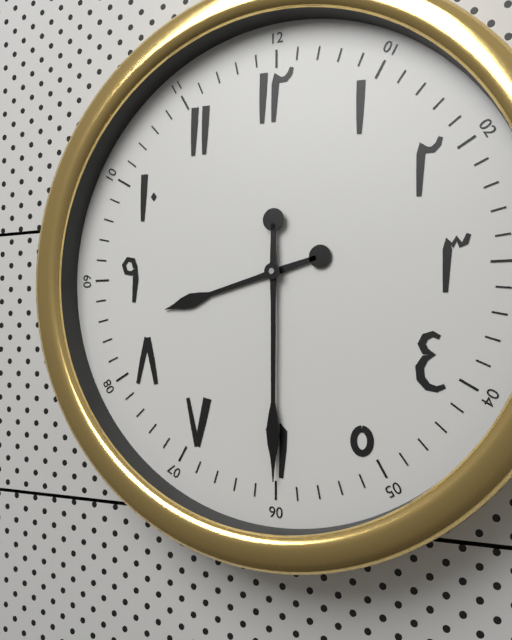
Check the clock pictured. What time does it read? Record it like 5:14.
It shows 8:30
